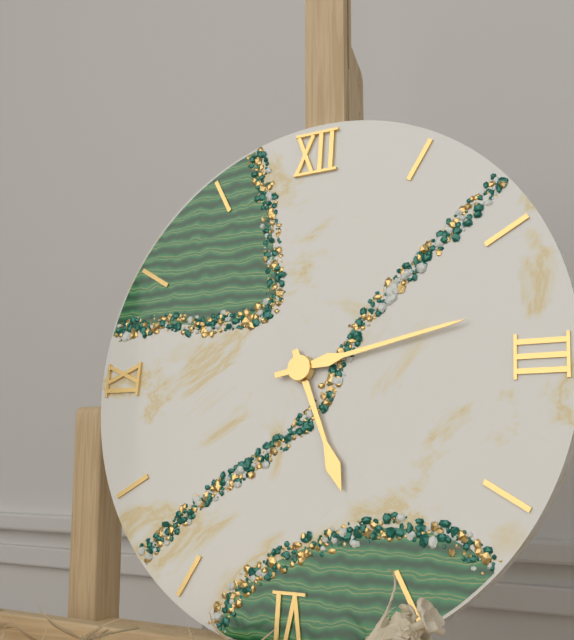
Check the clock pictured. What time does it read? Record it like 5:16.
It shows 5:13
